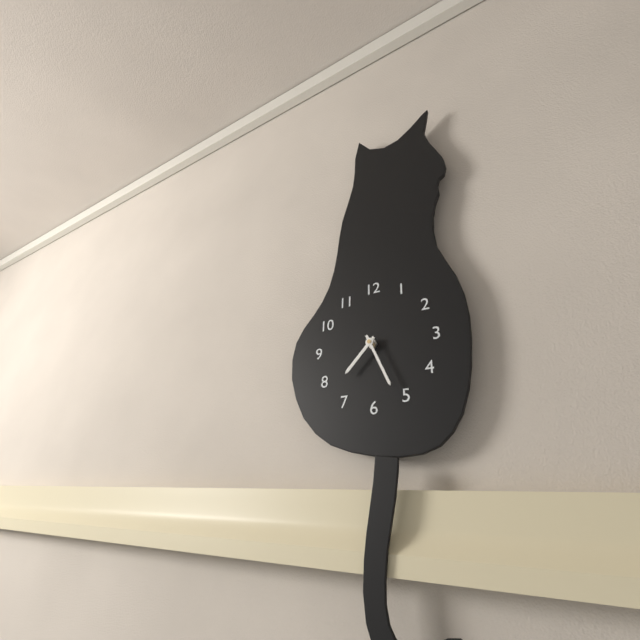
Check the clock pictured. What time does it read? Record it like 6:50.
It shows 7:26
